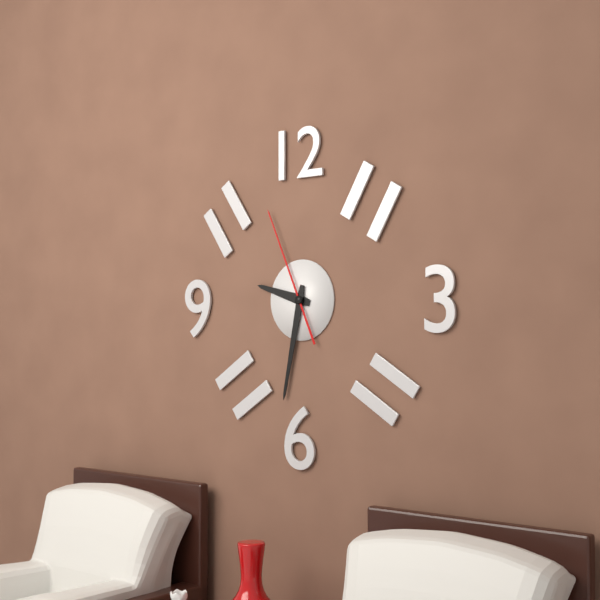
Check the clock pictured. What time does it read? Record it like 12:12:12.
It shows 9:32:56
